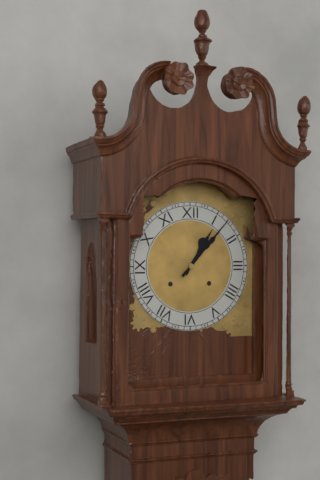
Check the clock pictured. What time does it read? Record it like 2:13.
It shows 1:07
